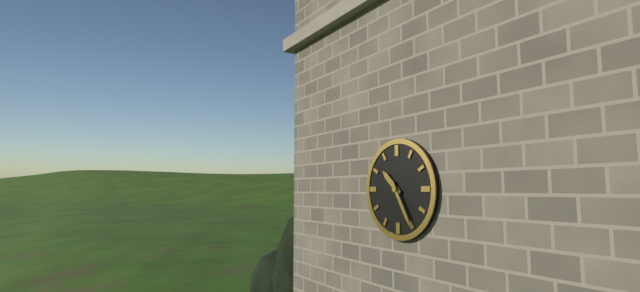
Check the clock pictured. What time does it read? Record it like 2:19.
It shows 10:25
